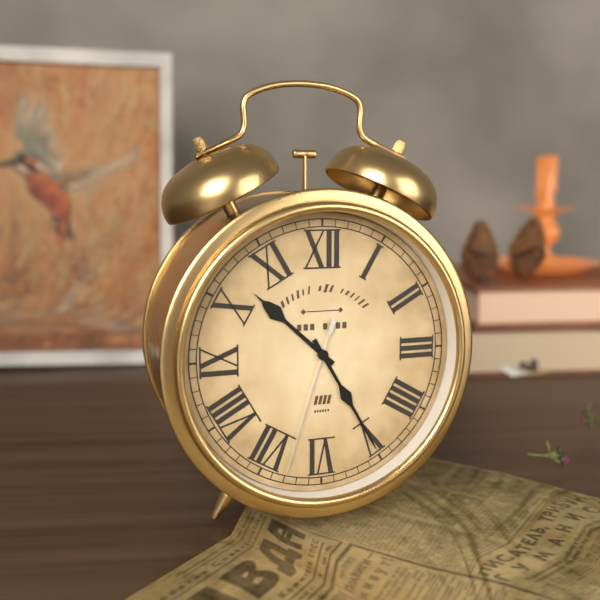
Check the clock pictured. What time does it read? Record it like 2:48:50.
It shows 10:25:33
